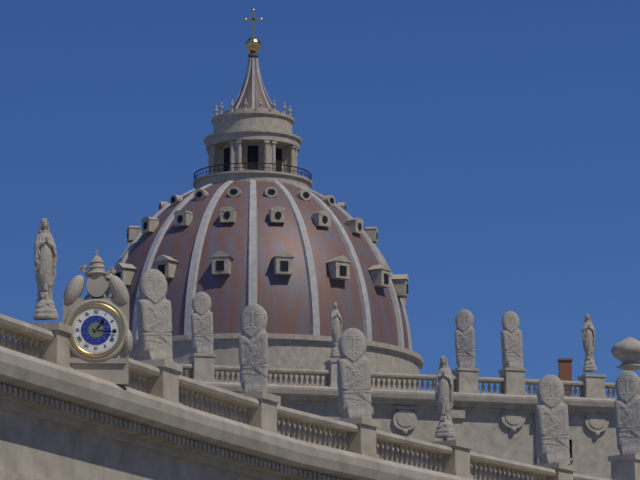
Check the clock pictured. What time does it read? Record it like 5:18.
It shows 1:16
